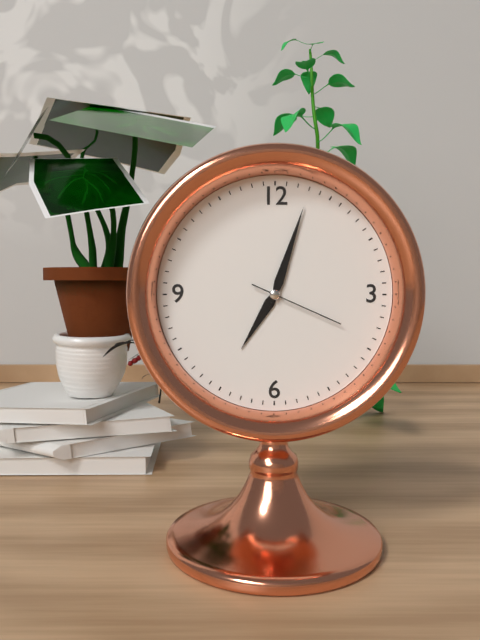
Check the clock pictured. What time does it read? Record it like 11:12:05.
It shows 7:03:19
